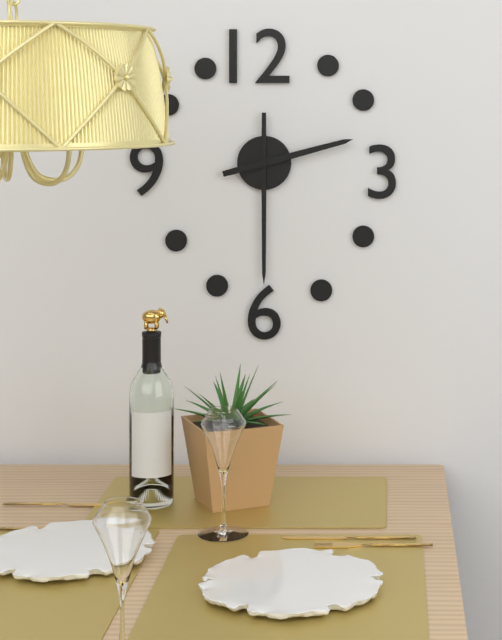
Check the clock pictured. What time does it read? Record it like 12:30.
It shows 2:30
